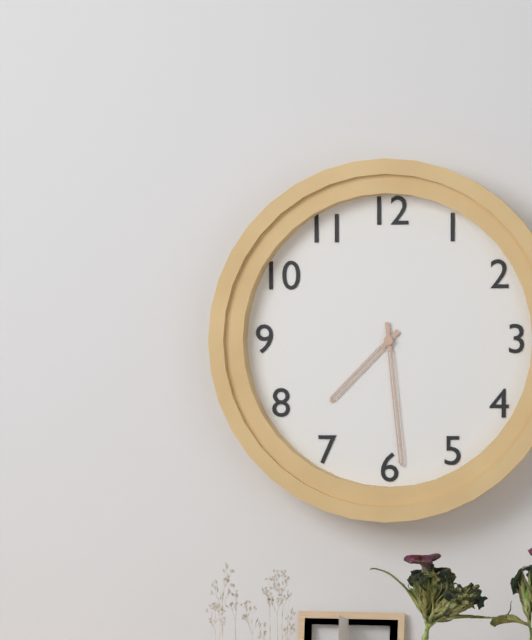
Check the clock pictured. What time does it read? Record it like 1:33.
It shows 7:29
